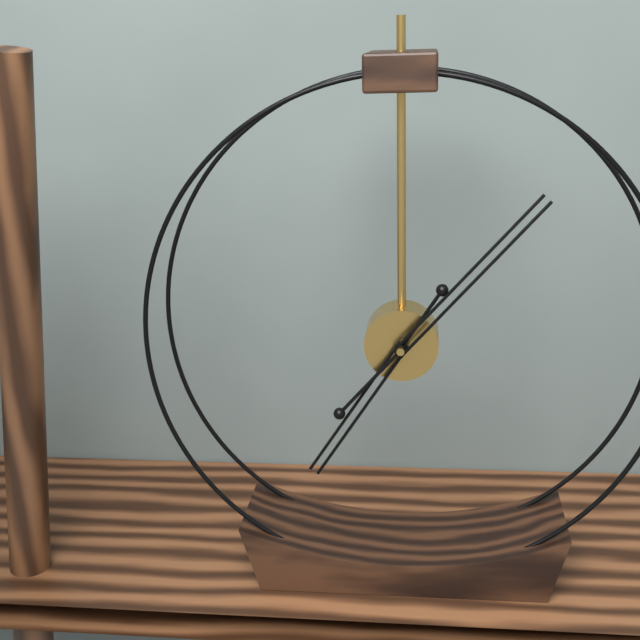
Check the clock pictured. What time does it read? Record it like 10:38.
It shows 7:07
